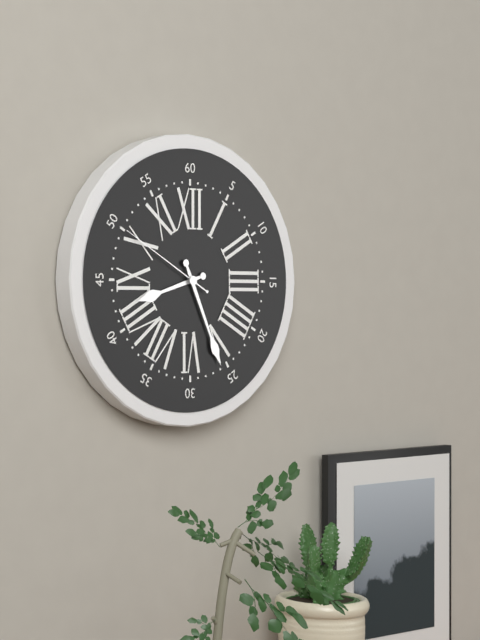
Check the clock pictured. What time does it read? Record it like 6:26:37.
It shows 8:26:50
